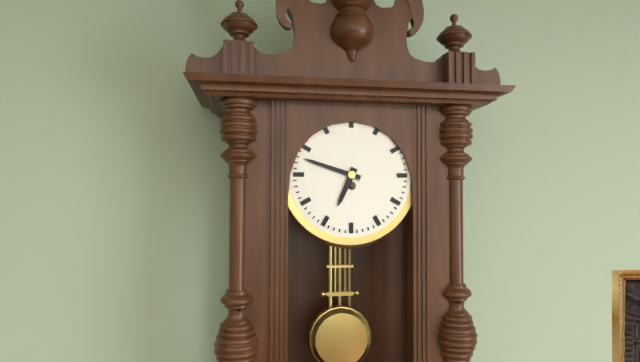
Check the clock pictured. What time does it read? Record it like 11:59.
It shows 6:48
